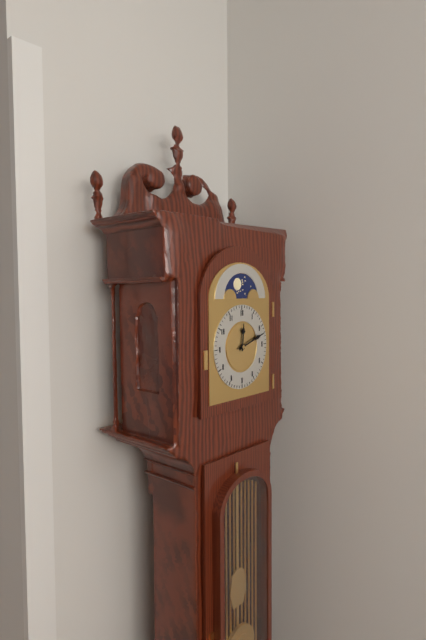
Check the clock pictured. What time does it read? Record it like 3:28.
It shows 12:12
